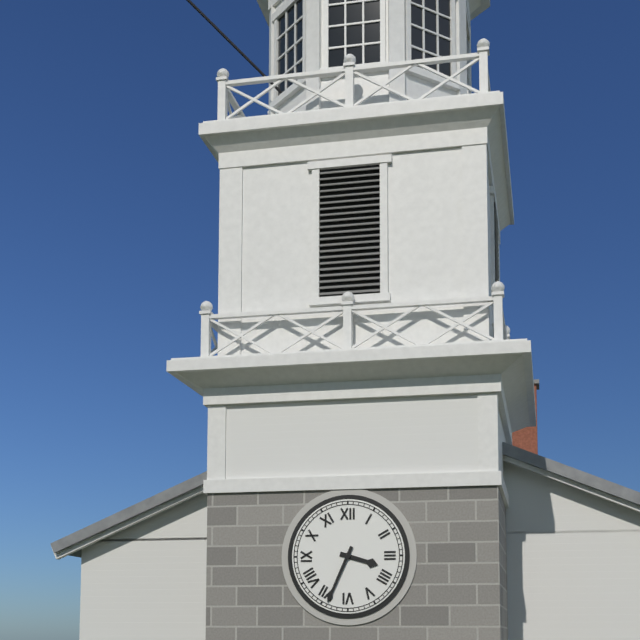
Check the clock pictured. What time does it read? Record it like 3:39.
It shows 3:34
